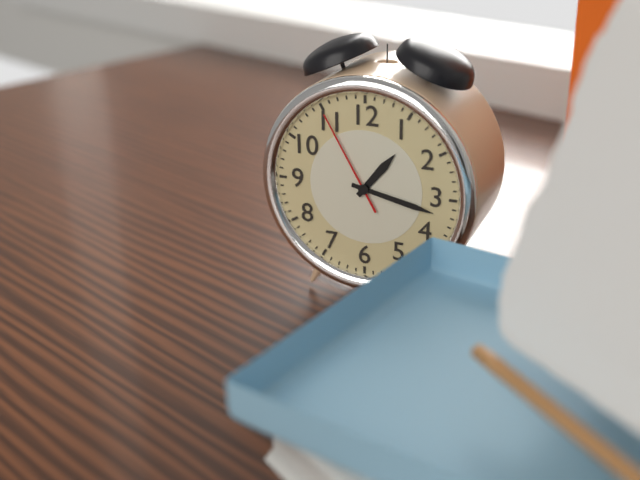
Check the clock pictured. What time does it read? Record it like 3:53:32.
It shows 1:17:55
